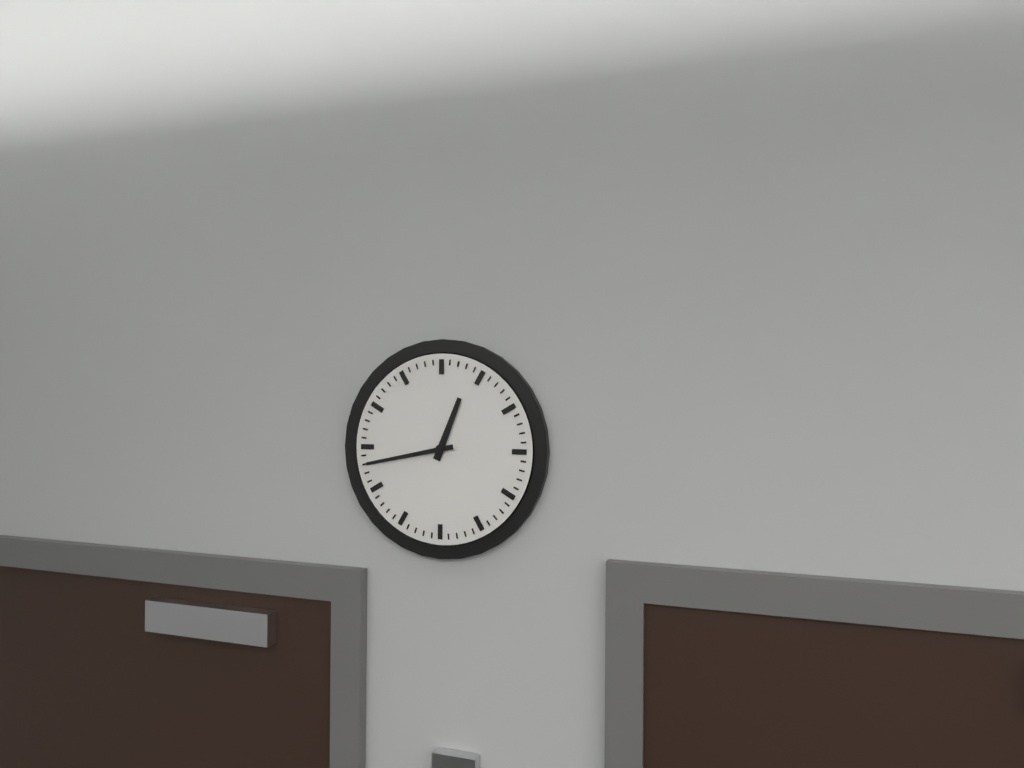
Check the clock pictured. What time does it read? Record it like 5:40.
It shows 12:43
